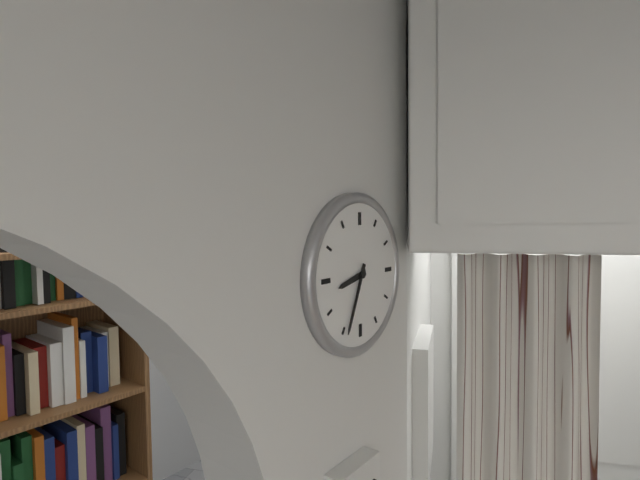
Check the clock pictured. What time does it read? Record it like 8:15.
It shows 8:34
